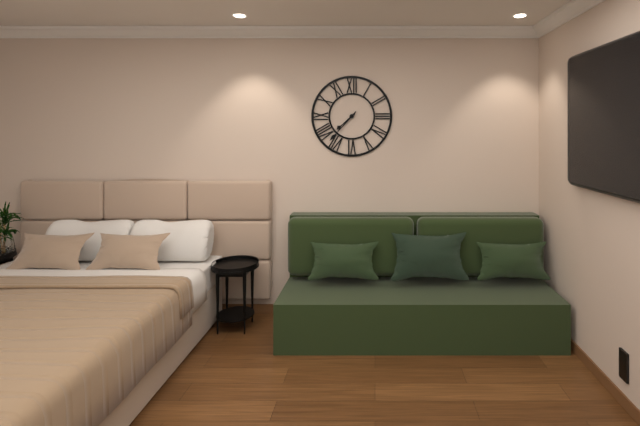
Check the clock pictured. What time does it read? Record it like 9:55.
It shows 7:37
